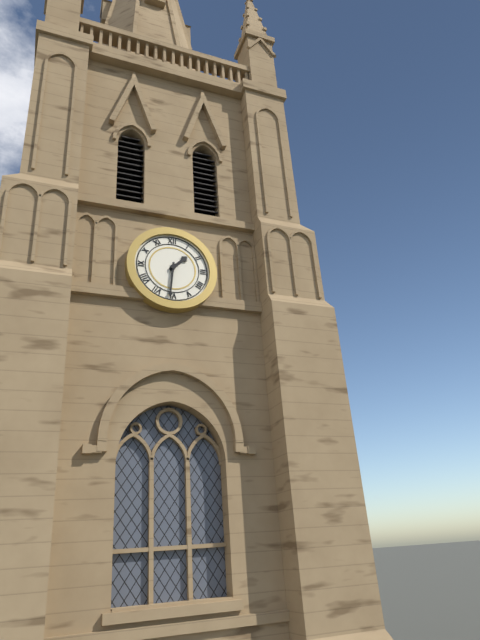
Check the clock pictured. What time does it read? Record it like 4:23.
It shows 1:31
